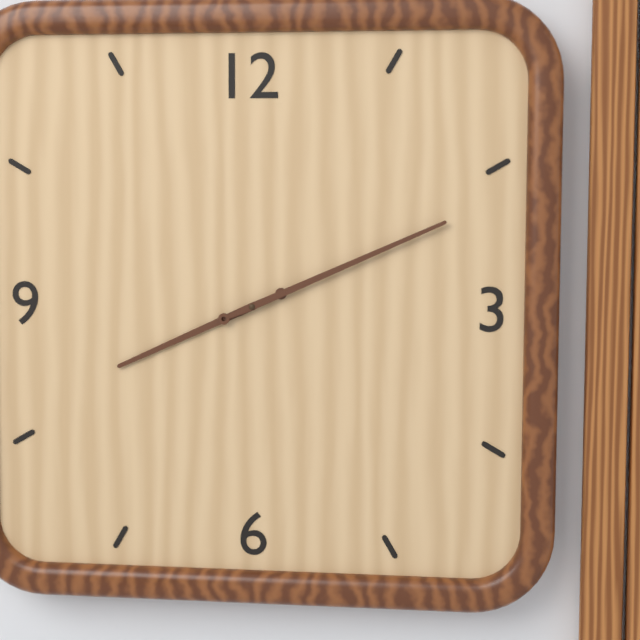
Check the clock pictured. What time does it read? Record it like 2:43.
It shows 8:11
